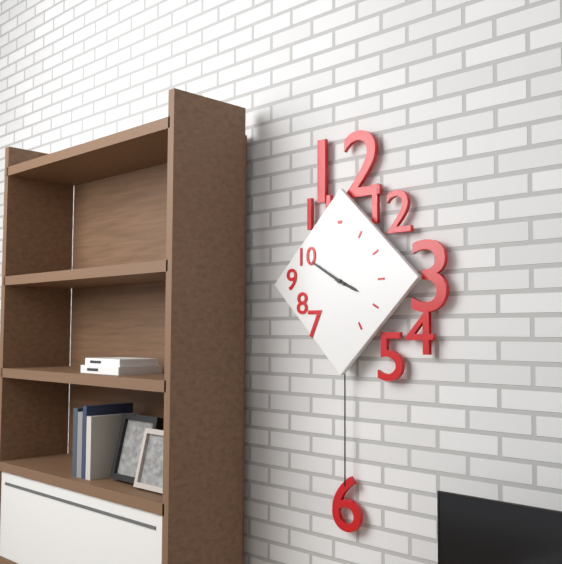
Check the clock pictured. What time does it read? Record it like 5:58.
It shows 3:50
